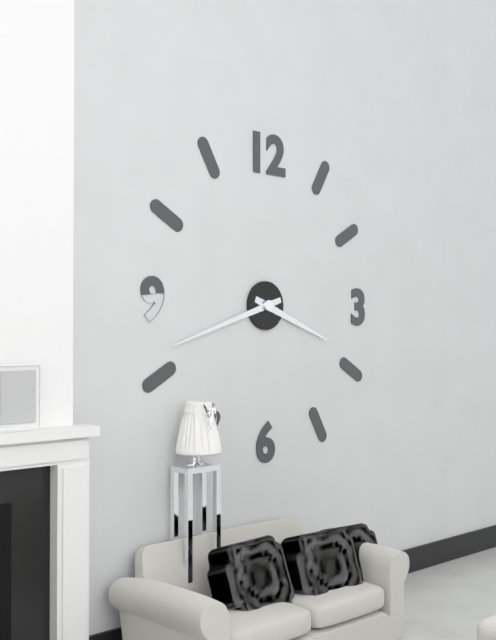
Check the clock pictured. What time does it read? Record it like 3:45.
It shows 3:42
